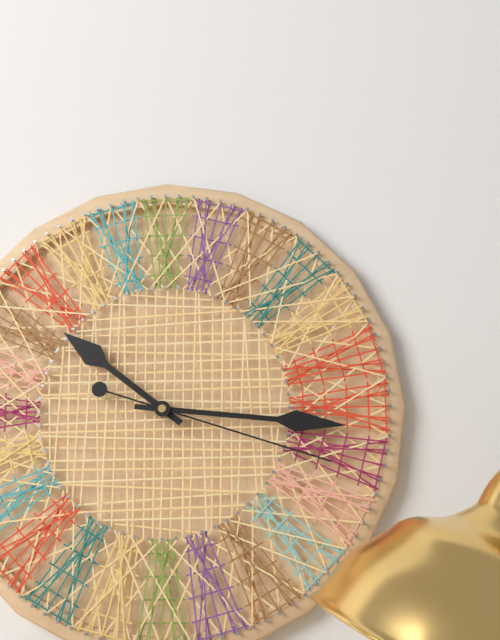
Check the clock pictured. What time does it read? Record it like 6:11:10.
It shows 10:16:18
